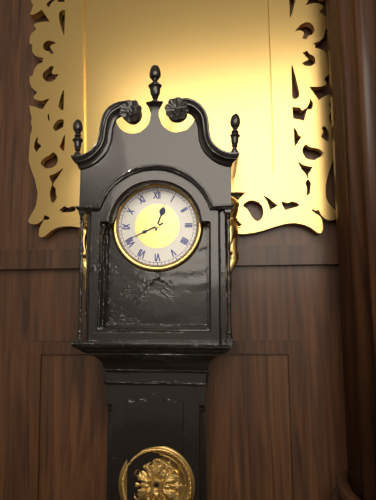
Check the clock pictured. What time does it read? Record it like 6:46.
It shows 12:41
